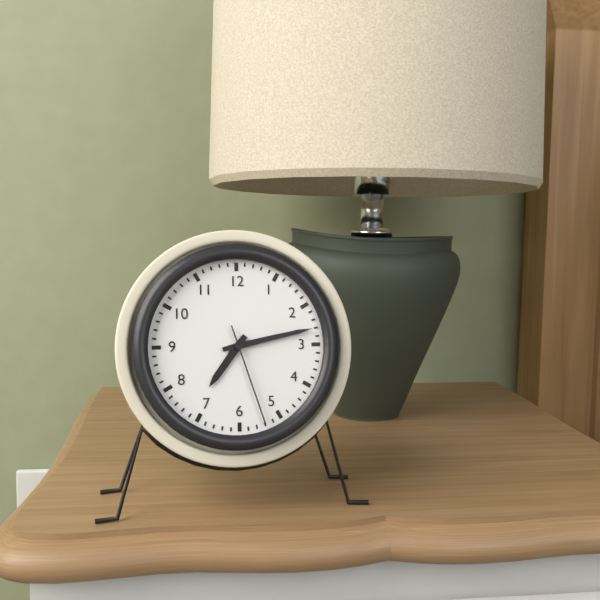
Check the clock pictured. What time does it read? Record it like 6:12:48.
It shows 7:13:27
